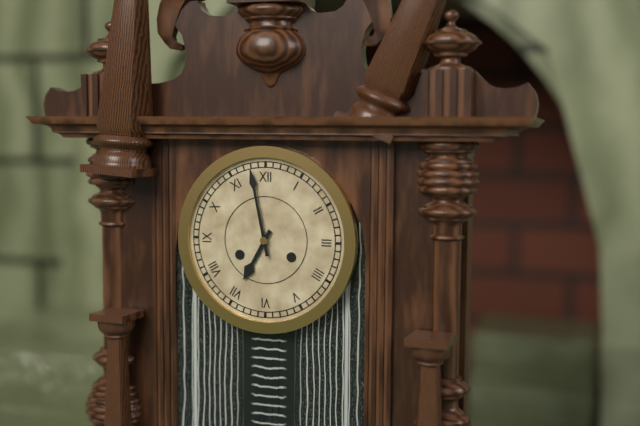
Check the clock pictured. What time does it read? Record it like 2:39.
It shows 6:58
